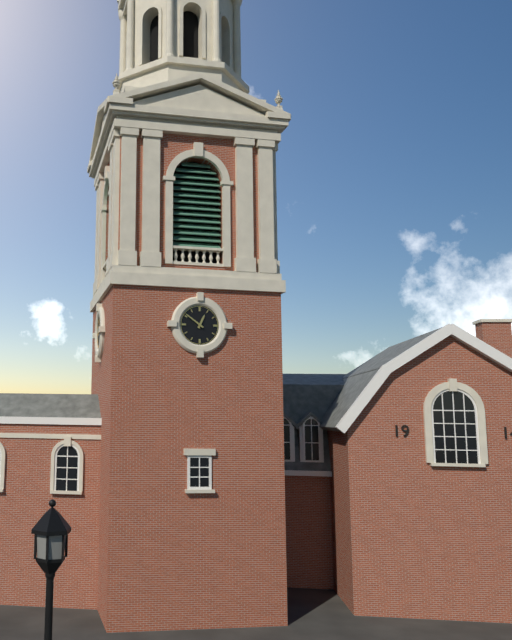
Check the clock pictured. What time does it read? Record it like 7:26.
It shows 12:51
